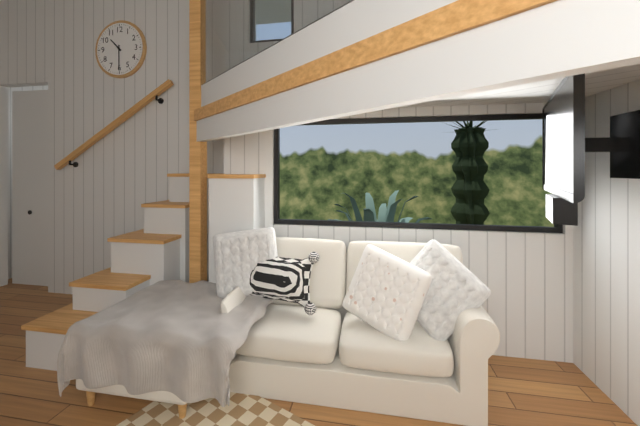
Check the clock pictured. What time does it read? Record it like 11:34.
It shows 10:30
